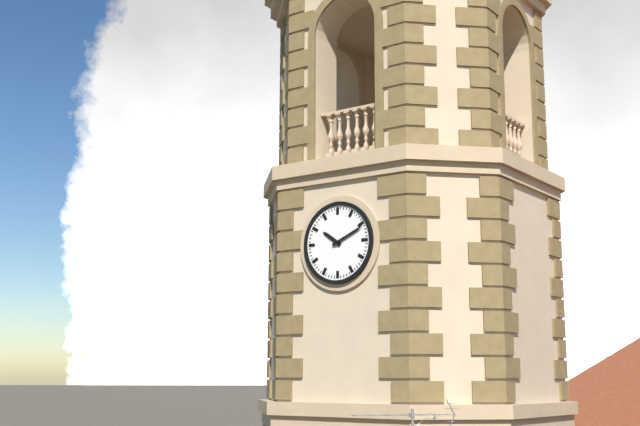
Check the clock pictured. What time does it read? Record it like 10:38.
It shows 10:11
